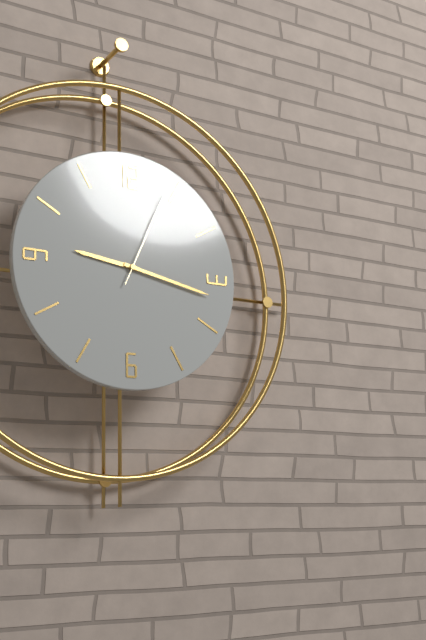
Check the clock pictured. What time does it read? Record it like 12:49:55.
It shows 9:17:04
